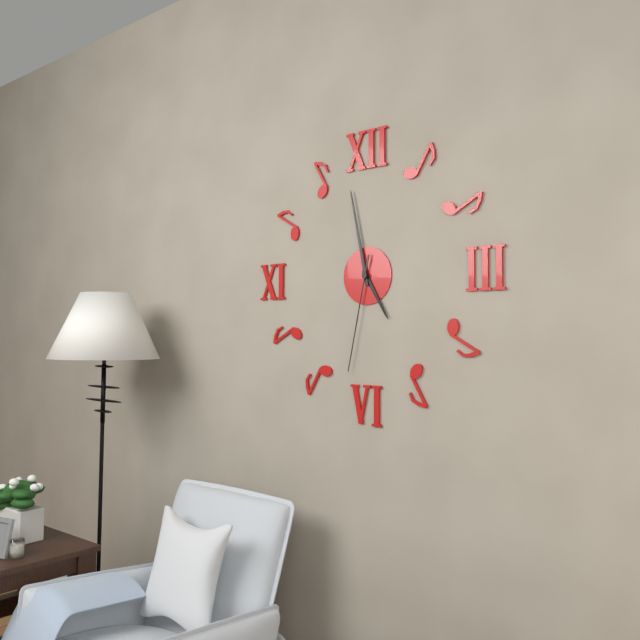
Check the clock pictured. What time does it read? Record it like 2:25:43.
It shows 4:58:32
